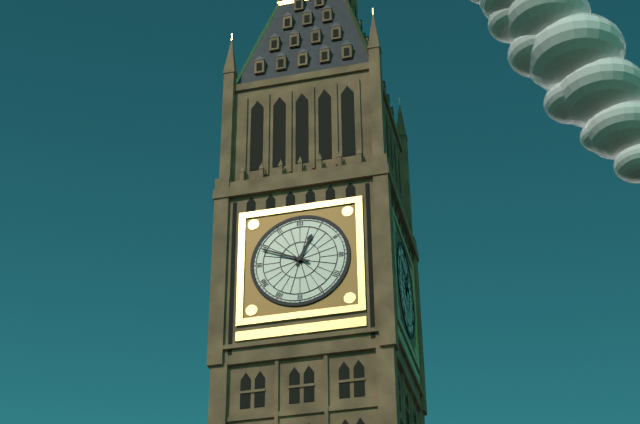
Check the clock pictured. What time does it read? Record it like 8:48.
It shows 12:49
